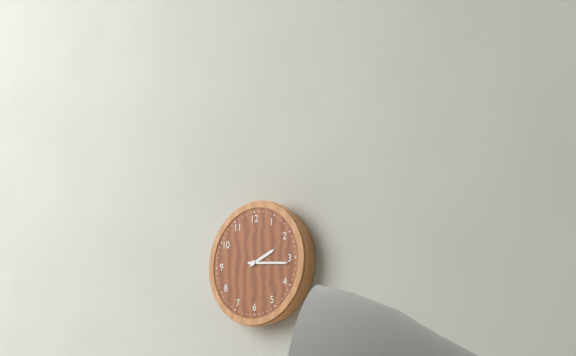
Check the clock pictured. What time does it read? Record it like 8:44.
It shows 2:16
